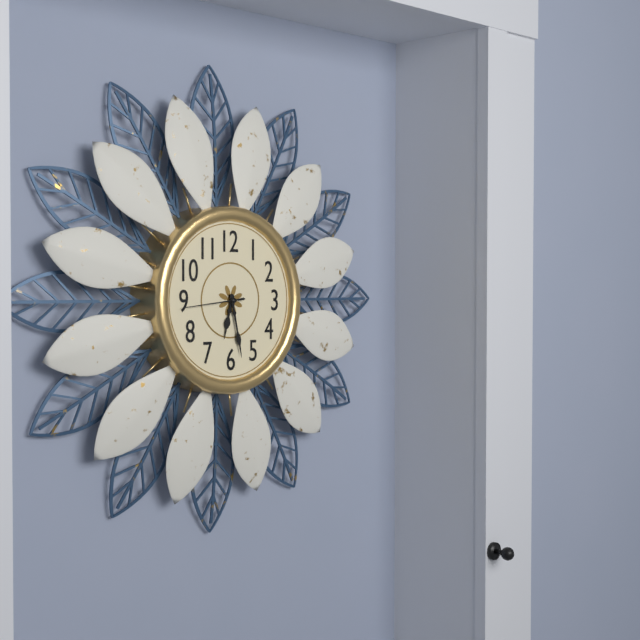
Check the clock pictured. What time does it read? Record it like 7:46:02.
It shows 6:28:44
